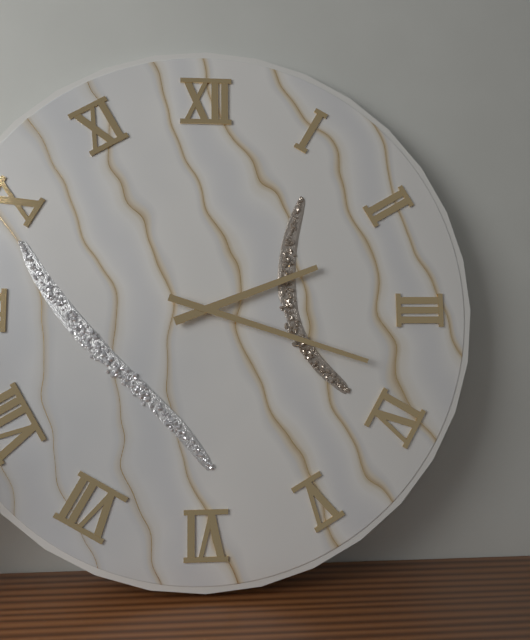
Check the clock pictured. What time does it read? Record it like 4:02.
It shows 2:18
